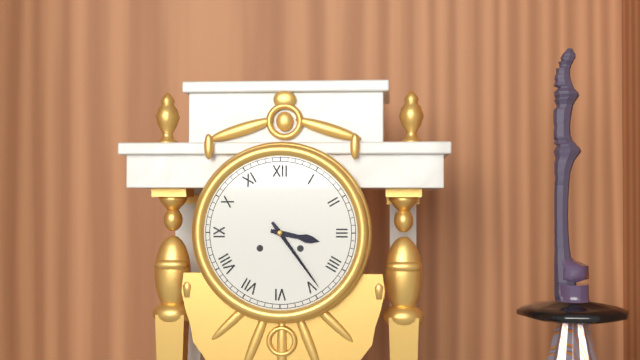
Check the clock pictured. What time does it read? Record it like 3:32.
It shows 3:24
